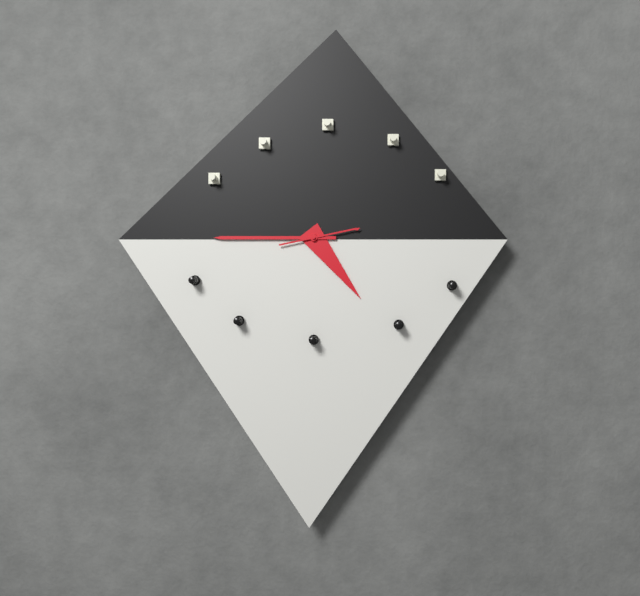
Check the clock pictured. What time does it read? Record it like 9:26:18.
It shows 4:45:13
